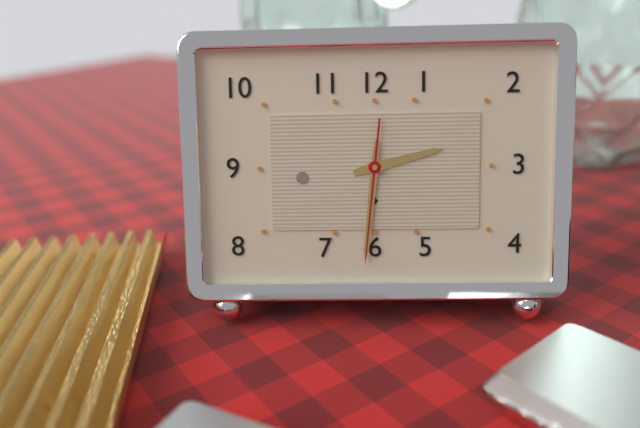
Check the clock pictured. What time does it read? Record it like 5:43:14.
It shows 2:31:31
